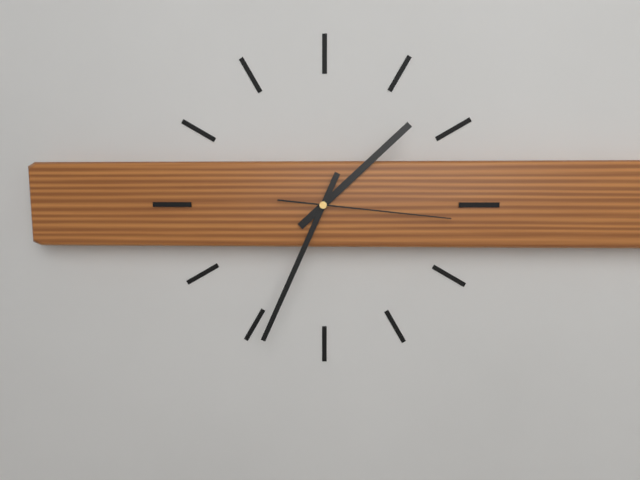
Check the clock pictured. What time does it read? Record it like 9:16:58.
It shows 1:34:16
